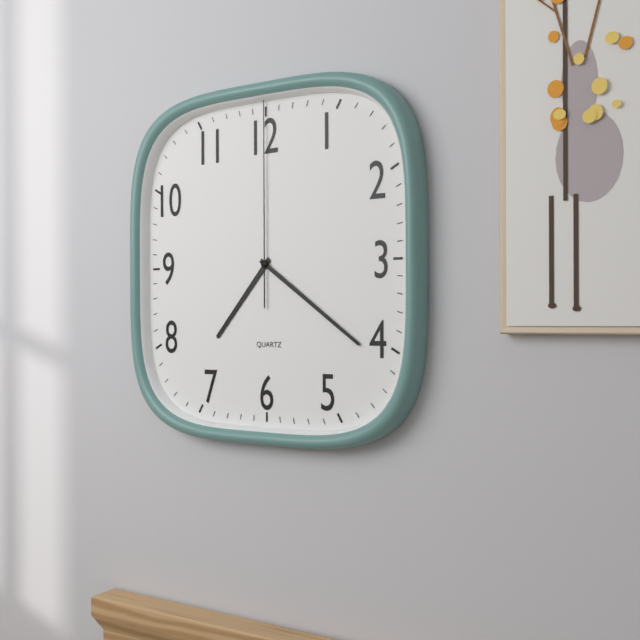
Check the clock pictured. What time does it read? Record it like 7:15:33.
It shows 7:21:00
